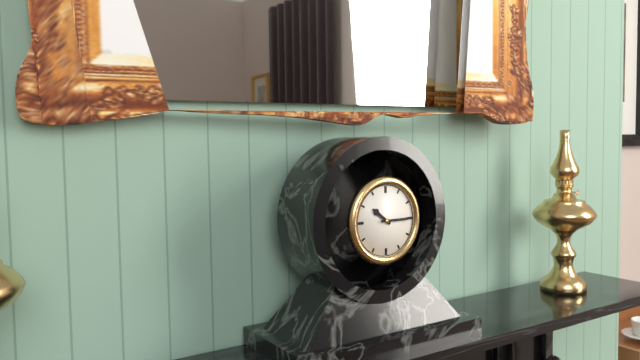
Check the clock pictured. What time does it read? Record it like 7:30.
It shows 10:15
